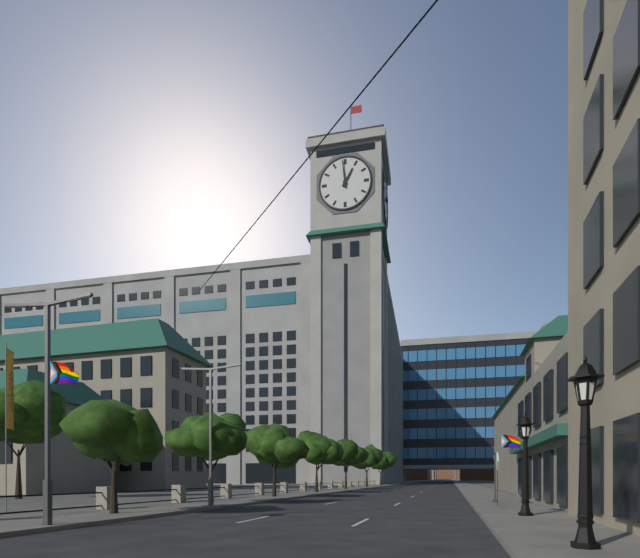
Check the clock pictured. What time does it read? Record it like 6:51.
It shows 12:59
